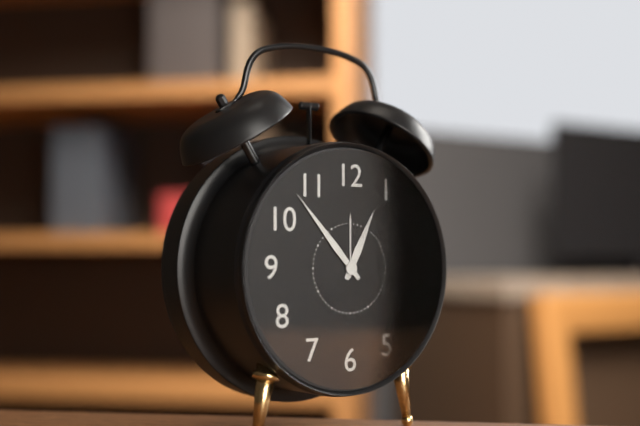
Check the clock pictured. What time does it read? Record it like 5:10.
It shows 12:53
